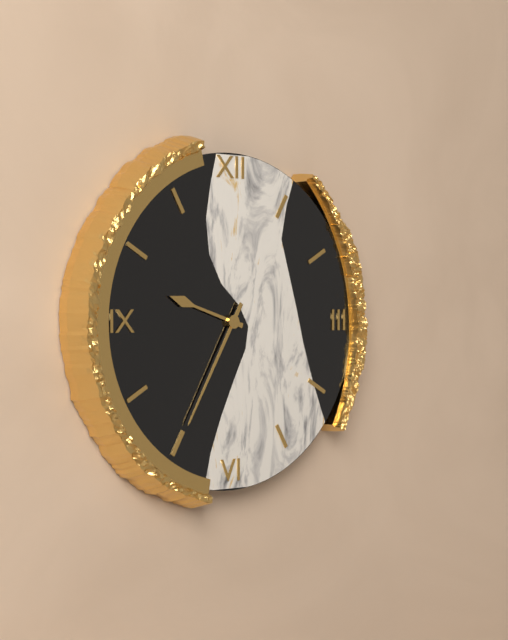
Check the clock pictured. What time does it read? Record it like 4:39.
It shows 9:35
